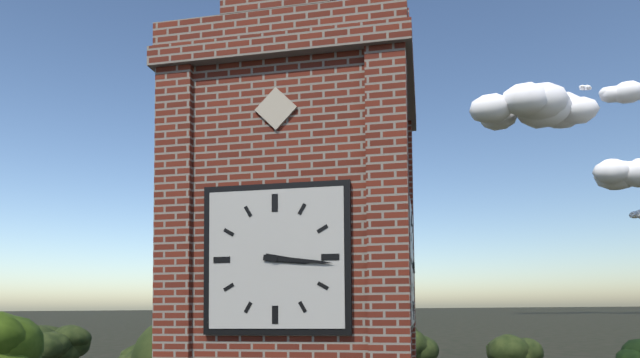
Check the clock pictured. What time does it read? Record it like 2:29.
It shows 3:16
